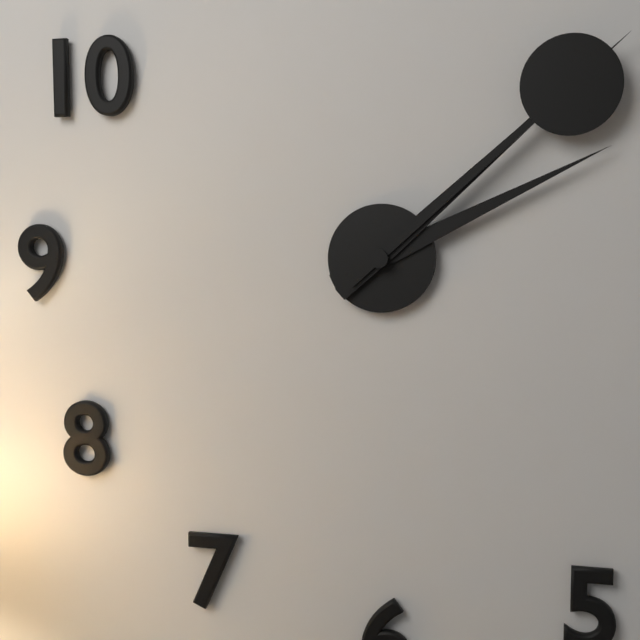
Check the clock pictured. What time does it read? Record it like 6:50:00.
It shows 2:08:08
